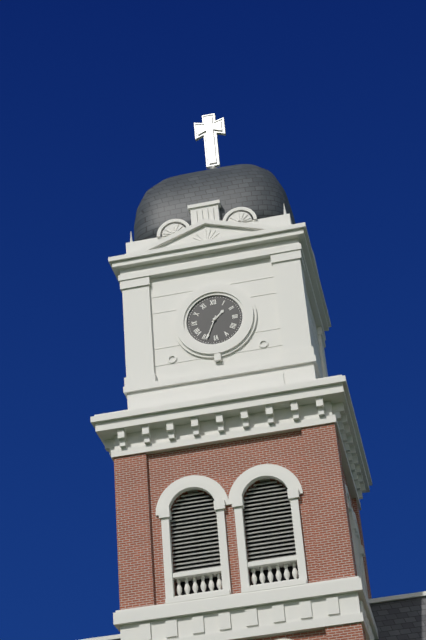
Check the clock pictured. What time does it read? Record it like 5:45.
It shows 1:34
